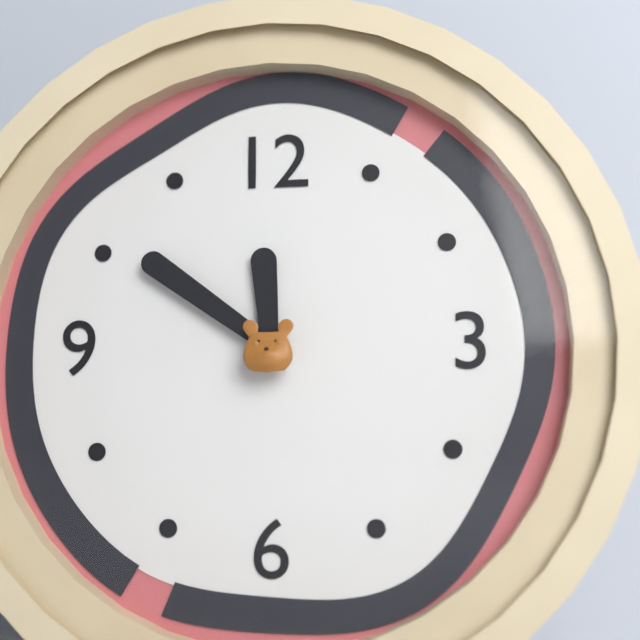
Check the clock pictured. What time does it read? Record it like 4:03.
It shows 11:51
